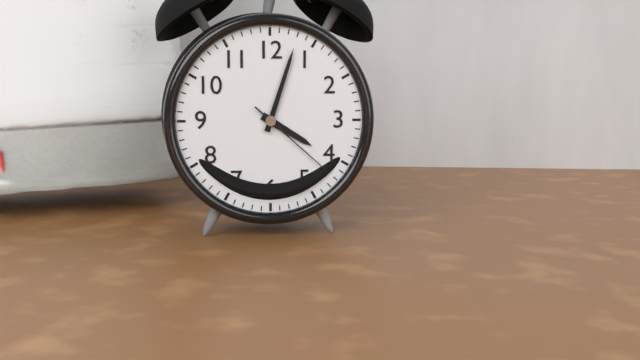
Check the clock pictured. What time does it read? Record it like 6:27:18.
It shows 4:03:22
